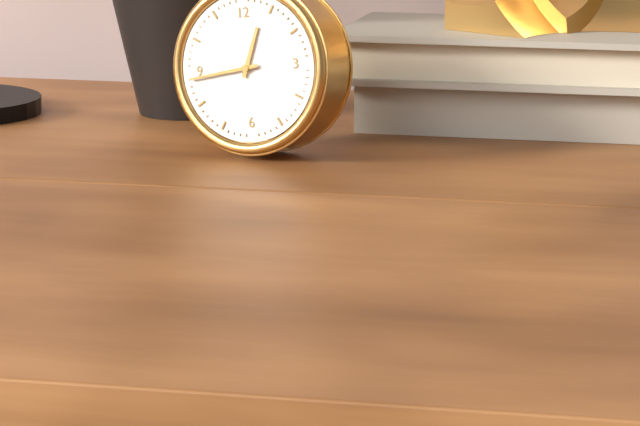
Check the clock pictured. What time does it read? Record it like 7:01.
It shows 12:44
